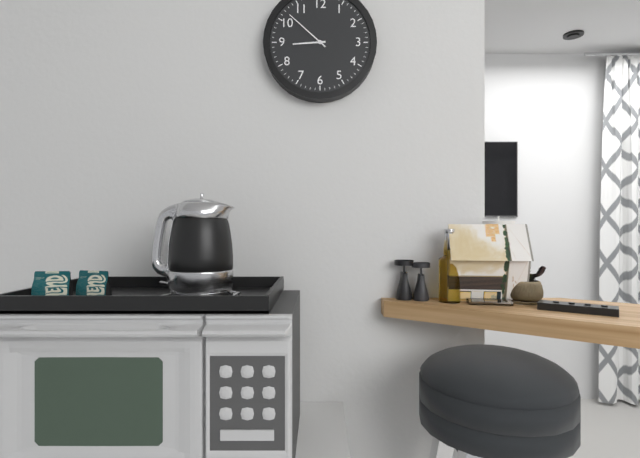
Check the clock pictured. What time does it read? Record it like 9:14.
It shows 8:52
